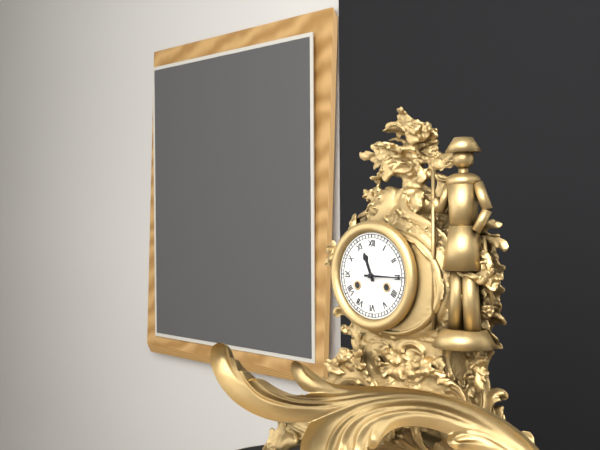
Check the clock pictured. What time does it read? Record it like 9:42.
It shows 11:15
